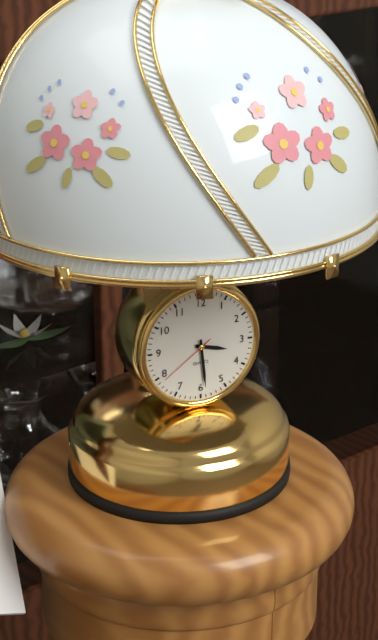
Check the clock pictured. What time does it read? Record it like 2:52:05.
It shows 3:29:39
